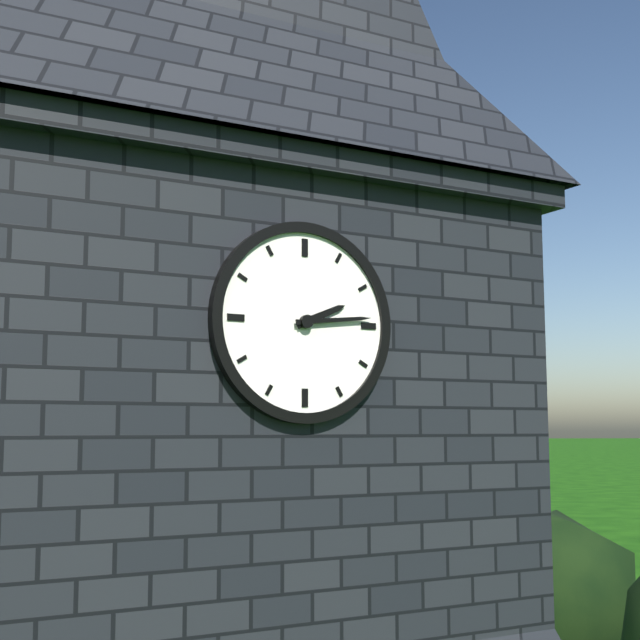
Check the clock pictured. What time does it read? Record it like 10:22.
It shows 2:14
